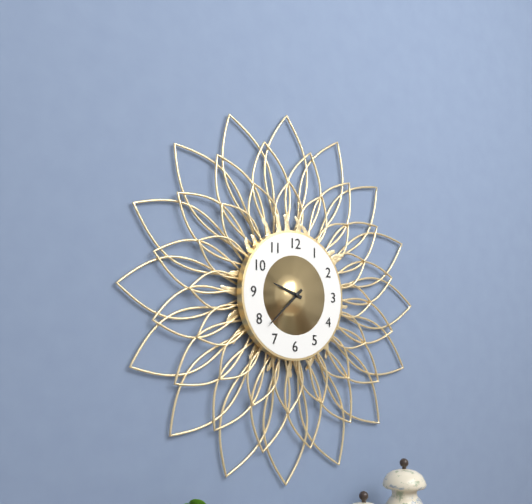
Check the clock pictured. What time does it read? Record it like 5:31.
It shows 9:38
